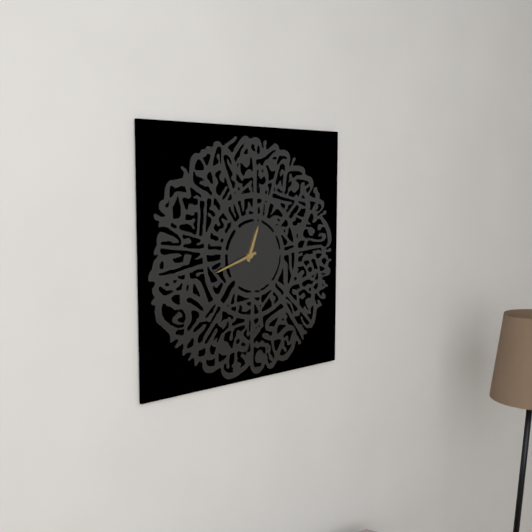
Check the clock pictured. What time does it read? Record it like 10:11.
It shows 12:42
